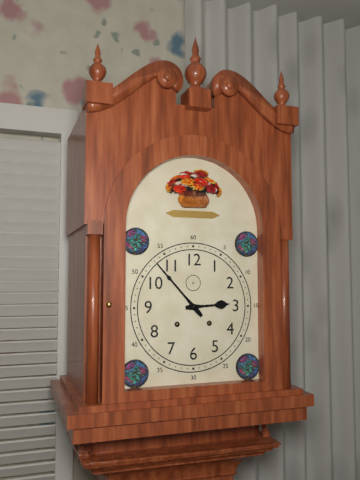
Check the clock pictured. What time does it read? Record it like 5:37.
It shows 2:53
